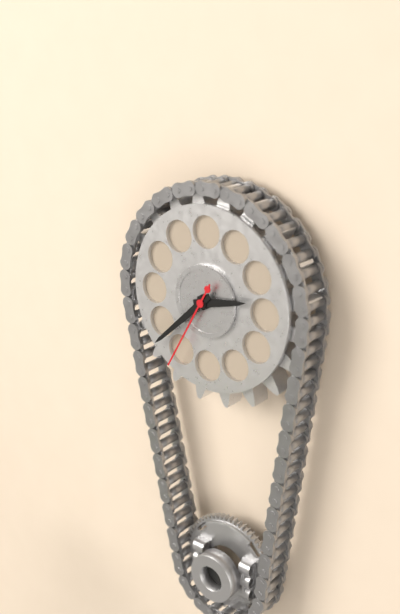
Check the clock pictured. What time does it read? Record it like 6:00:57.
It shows 2:38:35
